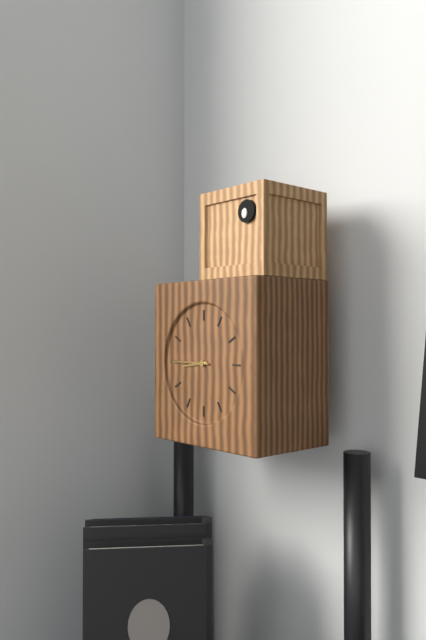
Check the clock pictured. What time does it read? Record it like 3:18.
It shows 8:45
